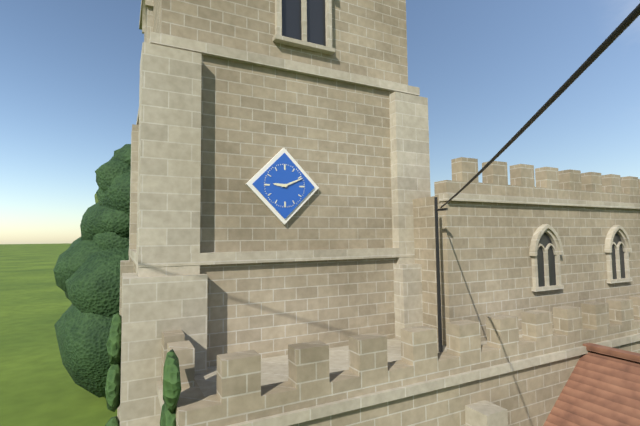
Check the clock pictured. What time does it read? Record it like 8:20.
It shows 9:11
